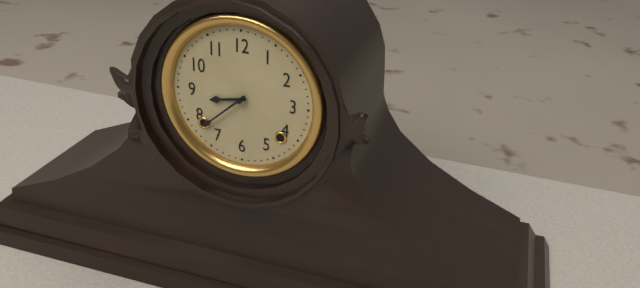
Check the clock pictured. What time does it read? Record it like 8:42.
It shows 8:38
